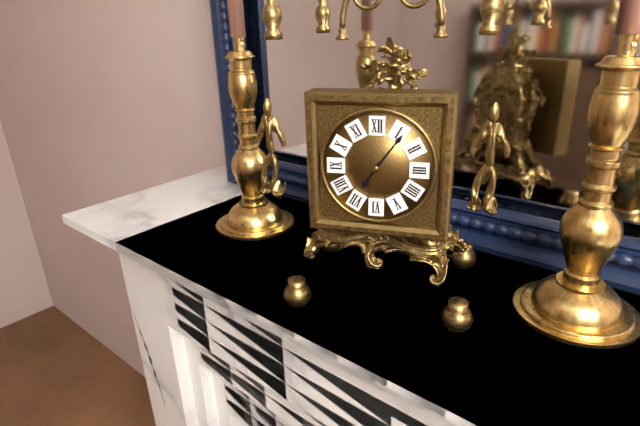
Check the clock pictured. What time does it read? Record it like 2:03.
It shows 7:06
